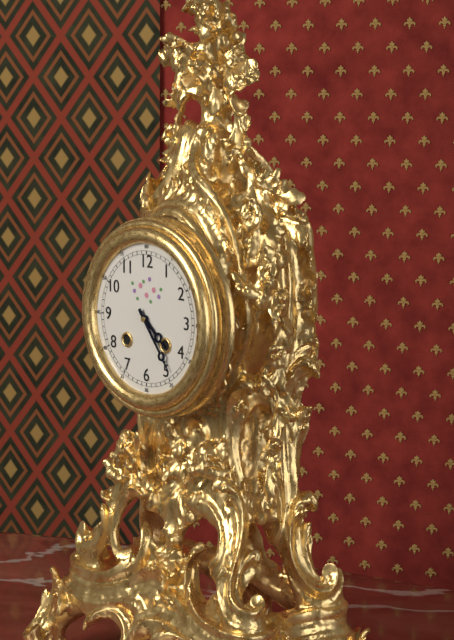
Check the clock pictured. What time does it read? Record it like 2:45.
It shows 4:24
